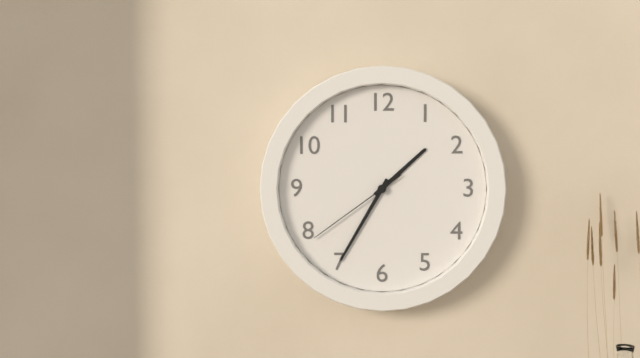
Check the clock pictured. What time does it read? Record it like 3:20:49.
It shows 1:35:39
